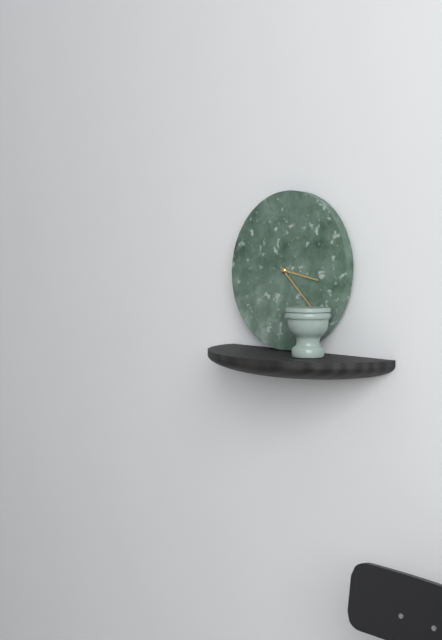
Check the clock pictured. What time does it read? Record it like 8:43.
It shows 3:22
